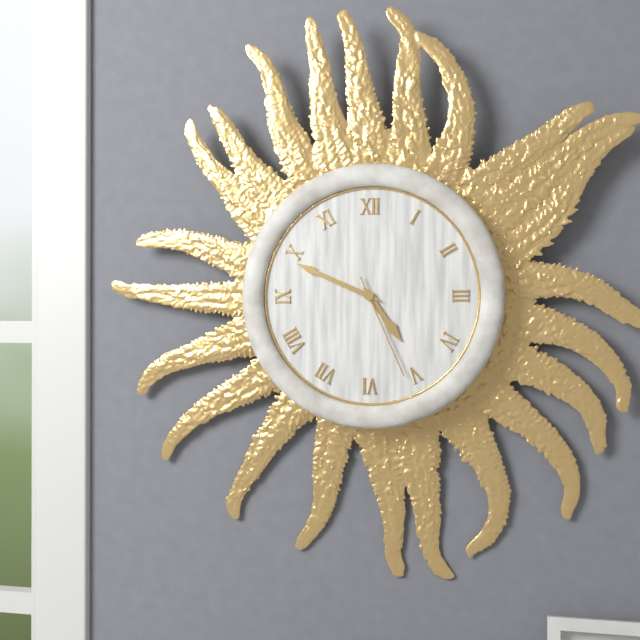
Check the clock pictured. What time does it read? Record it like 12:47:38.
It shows 4:49:26
